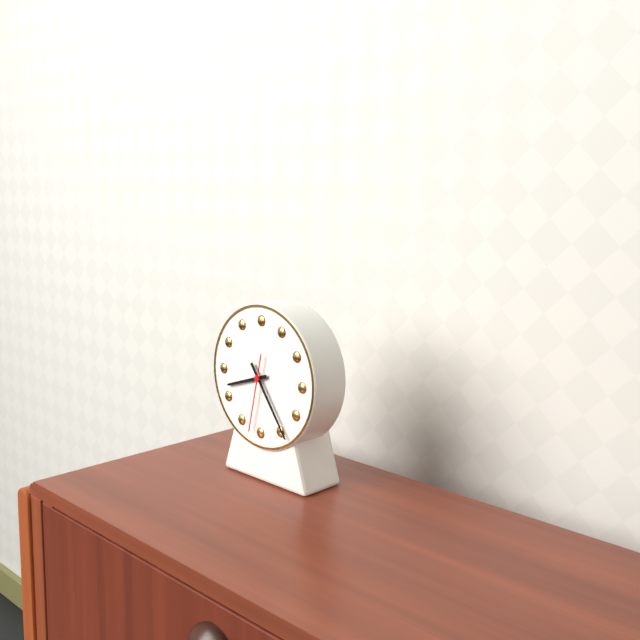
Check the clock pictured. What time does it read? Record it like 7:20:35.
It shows 8:24:32
